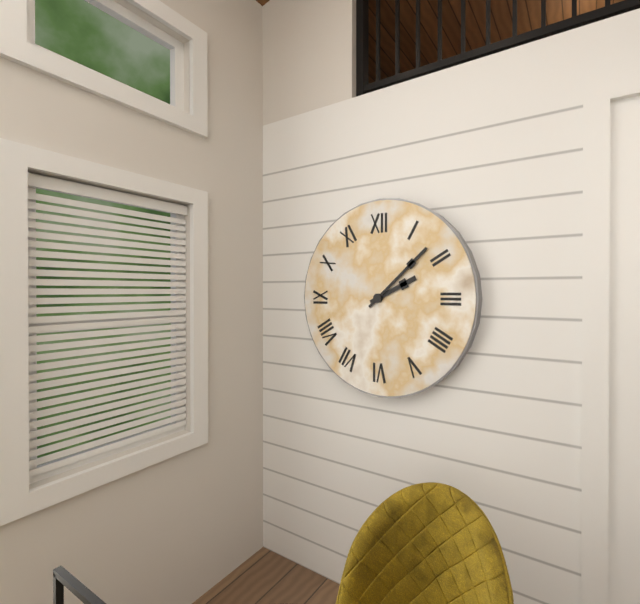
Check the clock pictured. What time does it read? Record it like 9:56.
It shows 2:08
